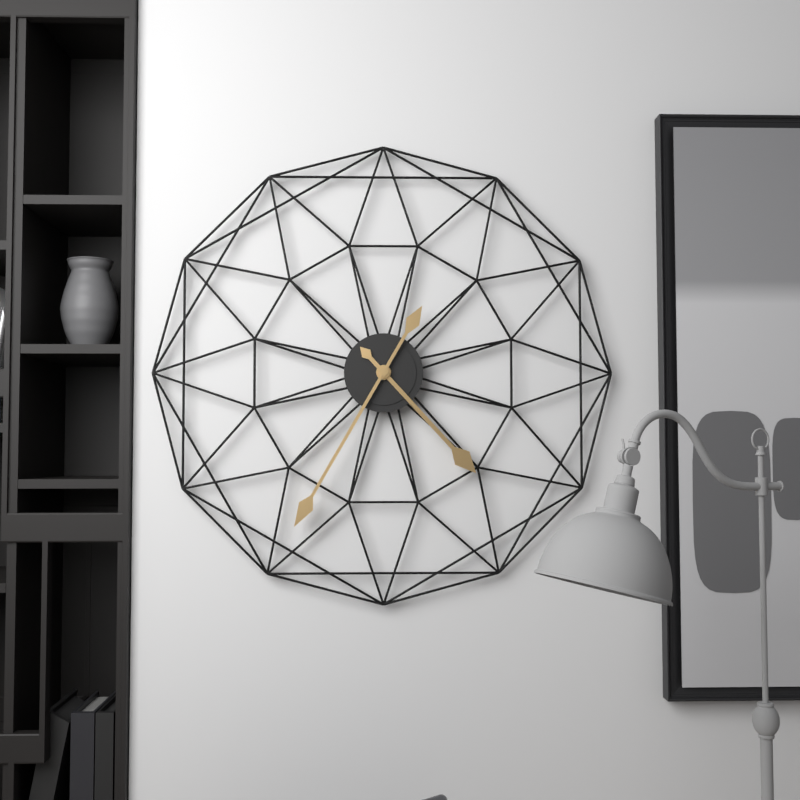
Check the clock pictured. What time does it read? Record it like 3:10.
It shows 4:35
